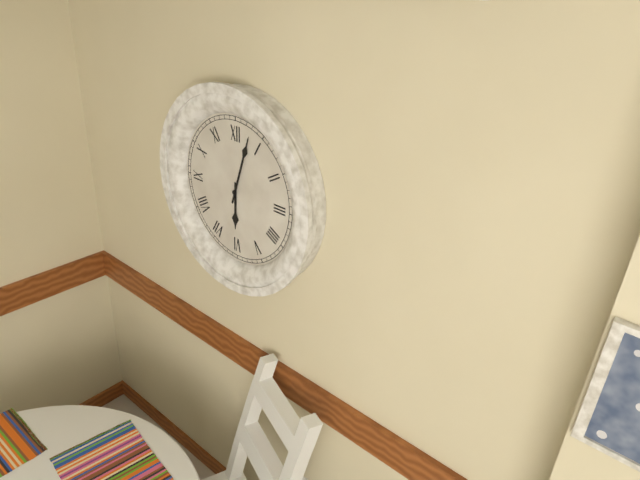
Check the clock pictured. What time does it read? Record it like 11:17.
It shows 6:03
